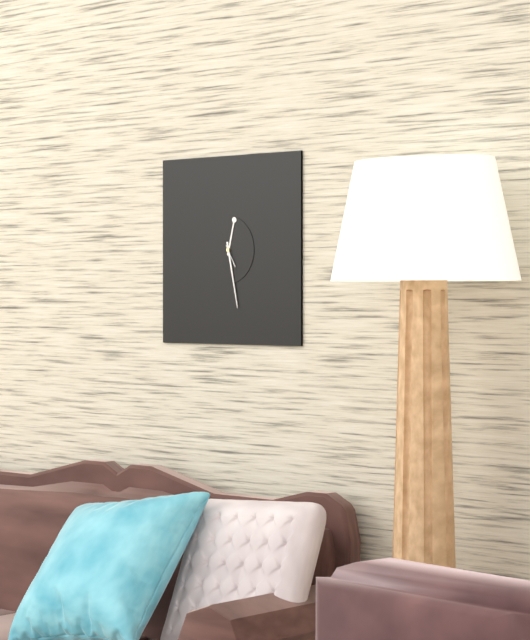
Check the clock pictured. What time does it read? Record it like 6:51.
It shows 12:28
